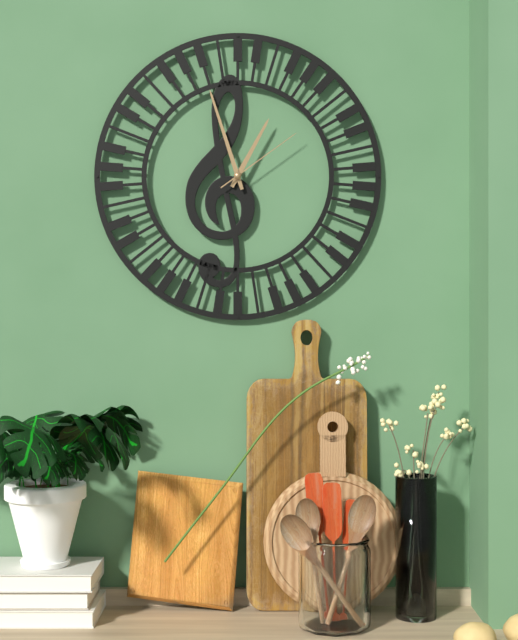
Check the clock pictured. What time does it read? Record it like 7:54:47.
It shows 12:57:09
